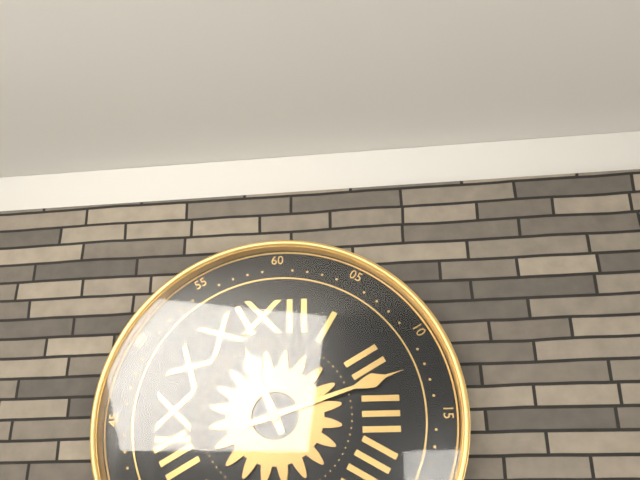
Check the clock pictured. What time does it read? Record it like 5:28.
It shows 11:12
